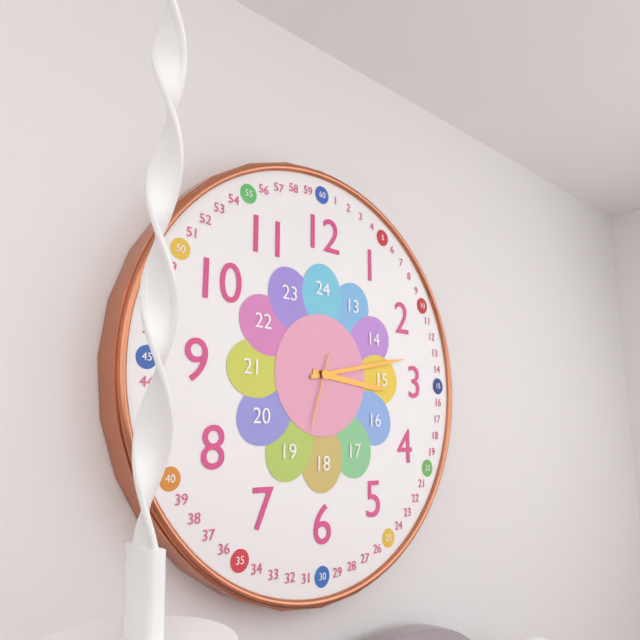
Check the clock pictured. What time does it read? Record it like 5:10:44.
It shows 3:13:33
